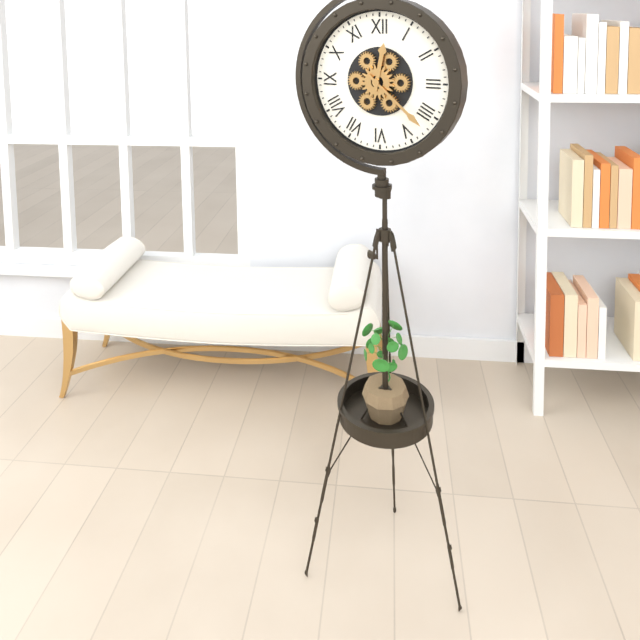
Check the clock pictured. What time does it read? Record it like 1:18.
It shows 12:22
